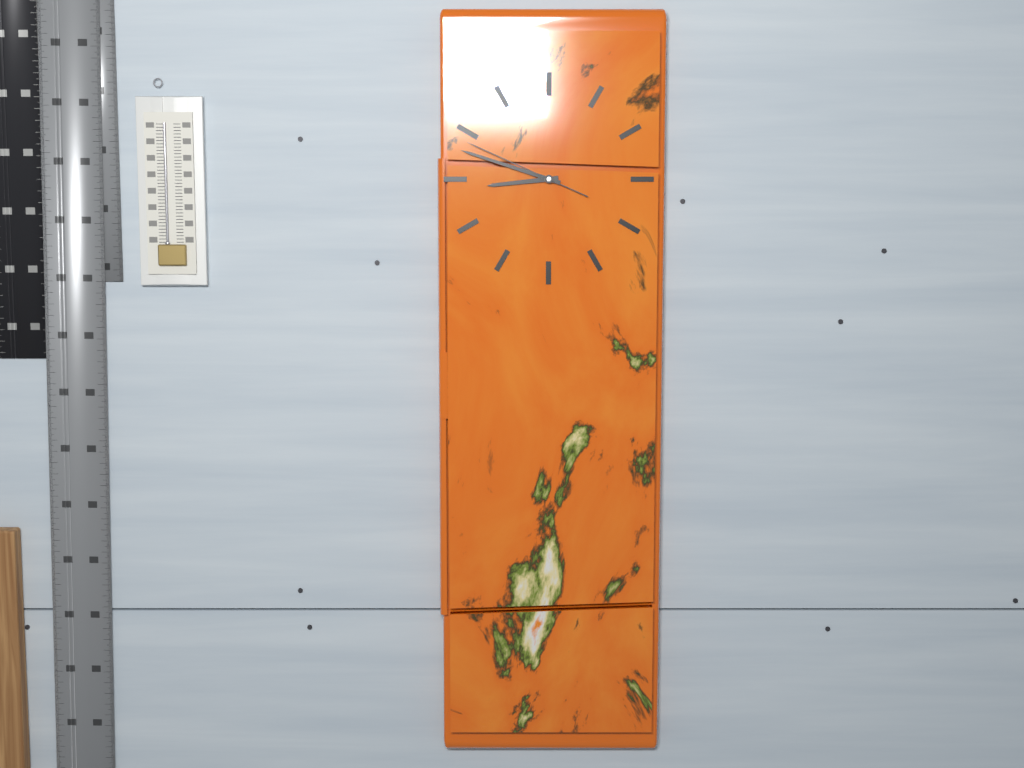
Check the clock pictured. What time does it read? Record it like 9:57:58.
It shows 8:48:49
